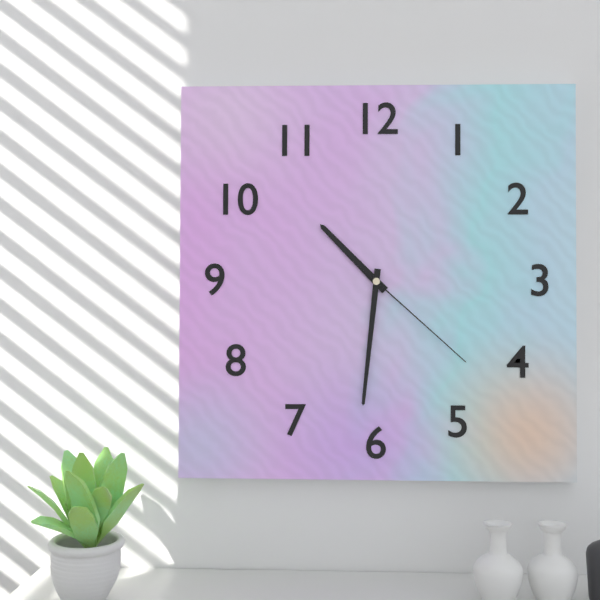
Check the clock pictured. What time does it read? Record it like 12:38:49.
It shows 10:31:22
